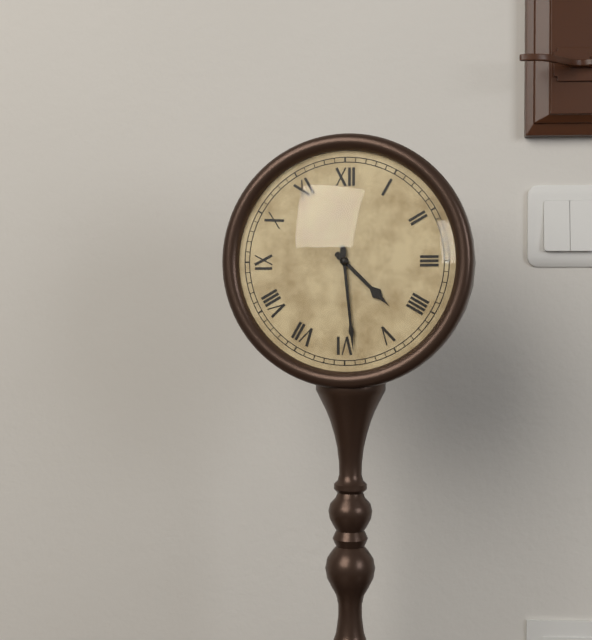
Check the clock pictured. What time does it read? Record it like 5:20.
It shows 4:29
